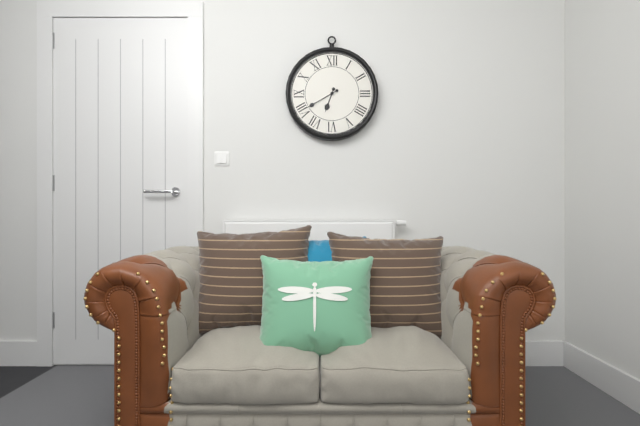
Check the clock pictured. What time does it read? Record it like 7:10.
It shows 6:40
